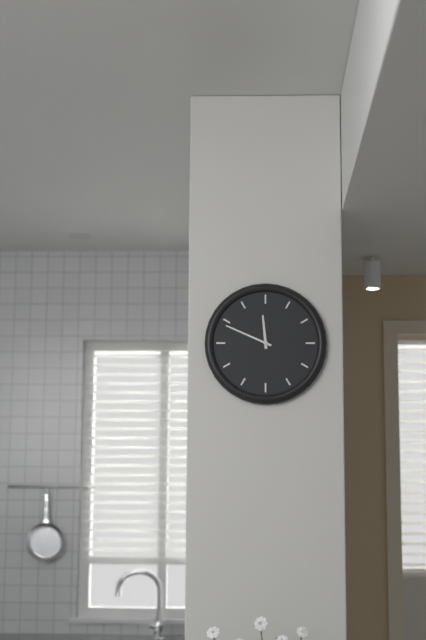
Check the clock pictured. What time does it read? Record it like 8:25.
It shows 11:49
